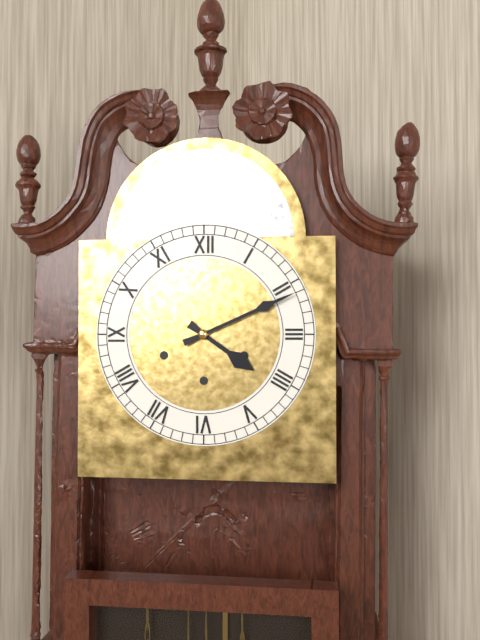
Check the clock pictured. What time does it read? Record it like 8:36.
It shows 4:11
